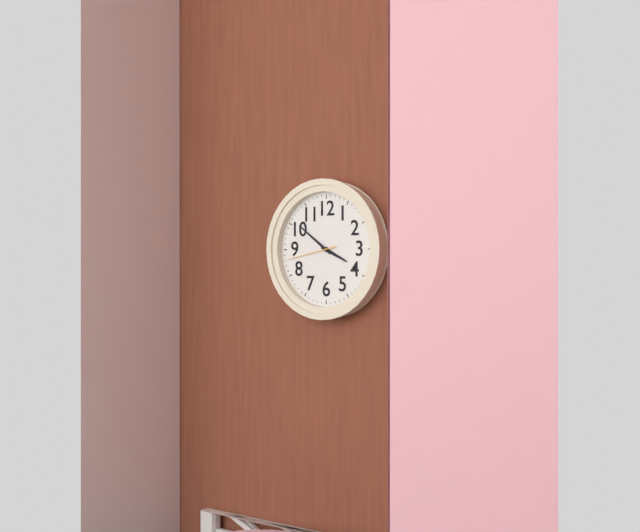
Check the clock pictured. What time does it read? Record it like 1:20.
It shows 3:51
